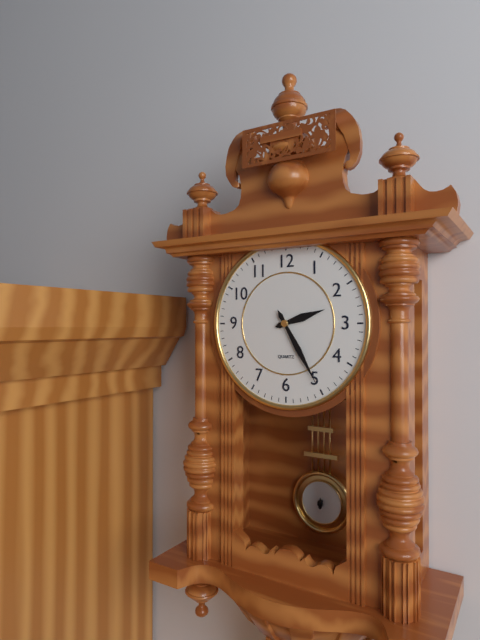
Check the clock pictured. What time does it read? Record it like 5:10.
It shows 2:25
